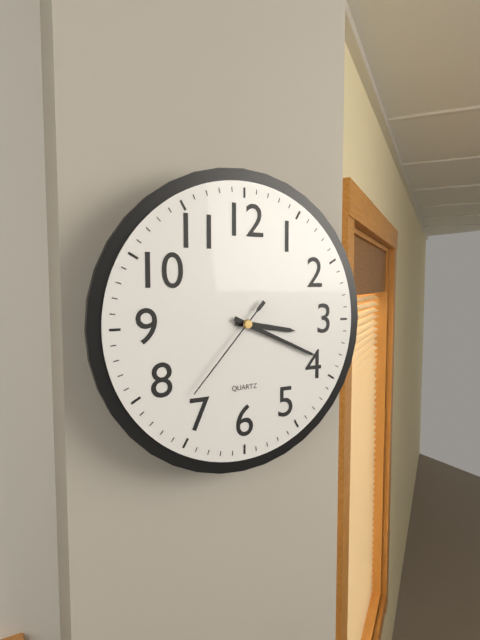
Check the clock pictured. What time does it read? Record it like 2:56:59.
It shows 3:19:37
